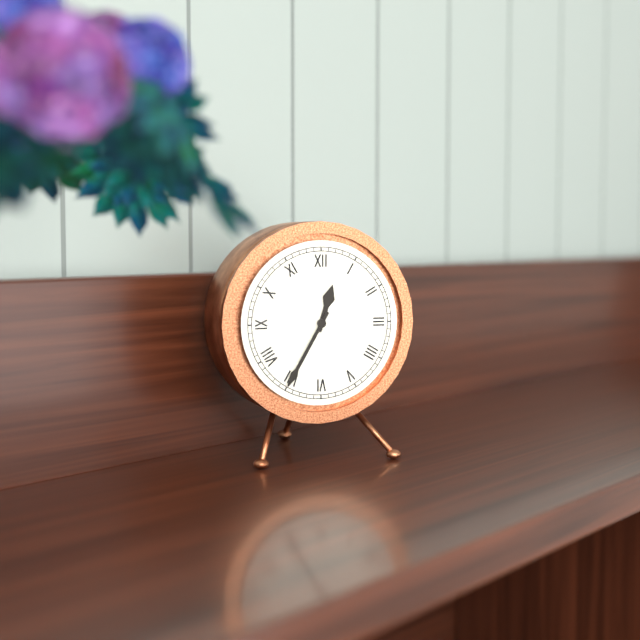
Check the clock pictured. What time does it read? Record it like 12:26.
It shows 12:35
